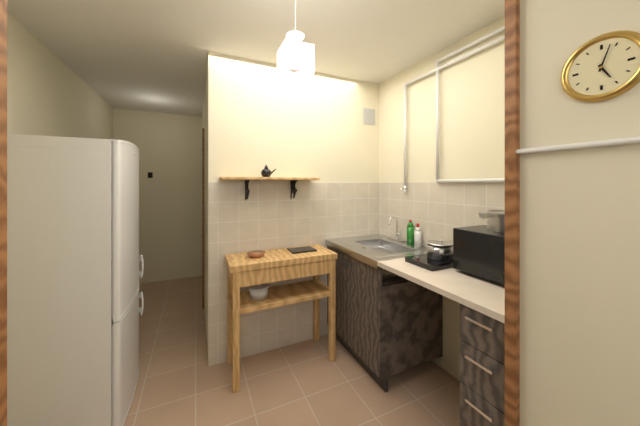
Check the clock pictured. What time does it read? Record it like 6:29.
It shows 5:03
